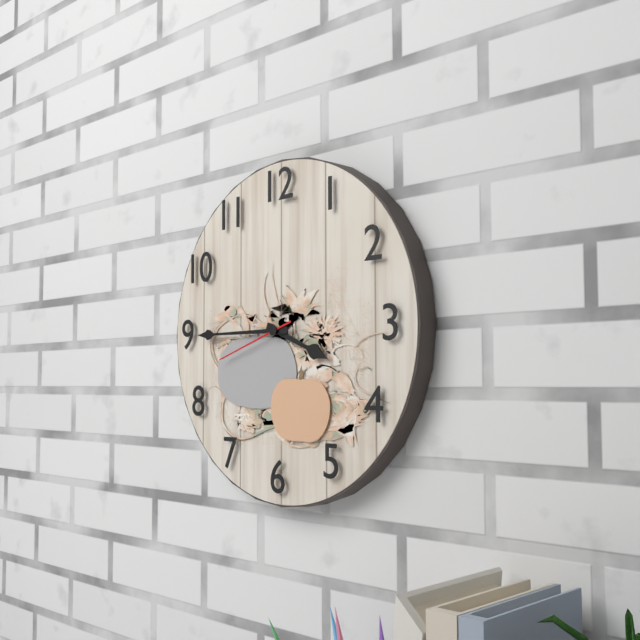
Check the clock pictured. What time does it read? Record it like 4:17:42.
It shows 3:45:42
